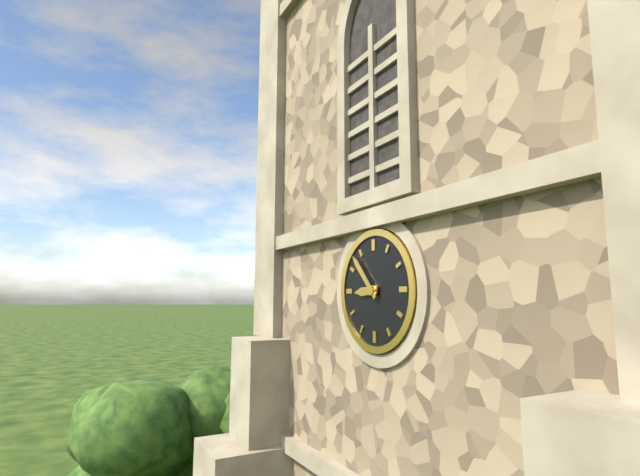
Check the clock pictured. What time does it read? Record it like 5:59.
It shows 8:53
